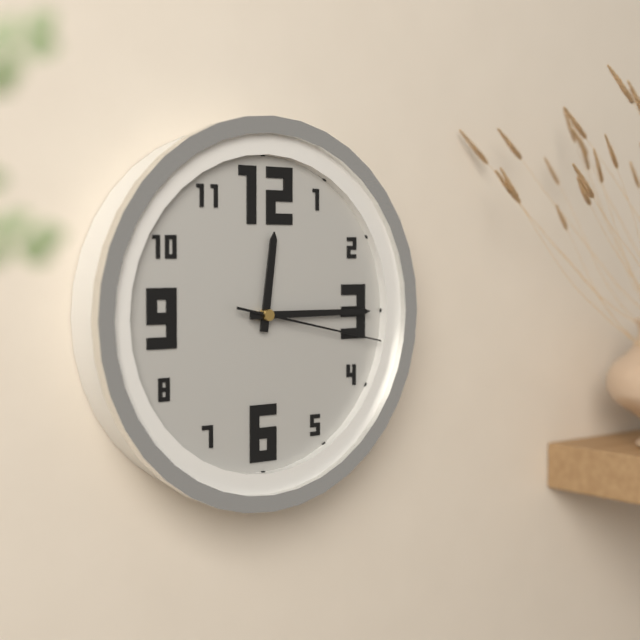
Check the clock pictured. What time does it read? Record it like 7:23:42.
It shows 12:15:17
